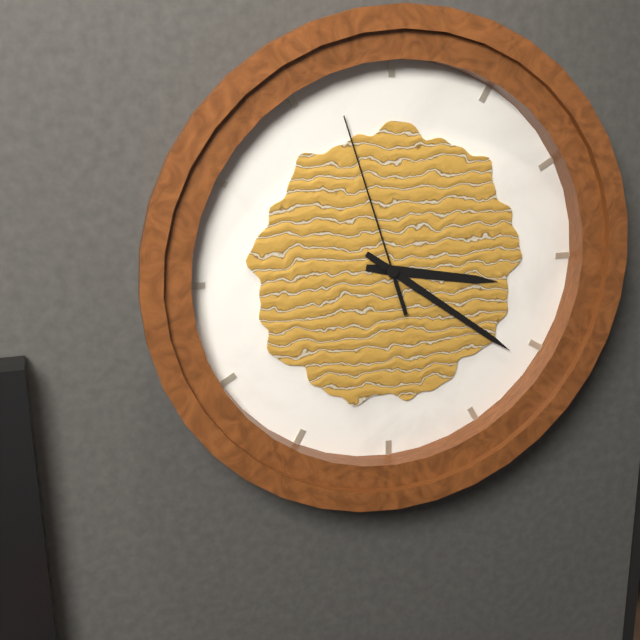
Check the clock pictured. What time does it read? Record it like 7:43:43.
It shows 3:21:57
